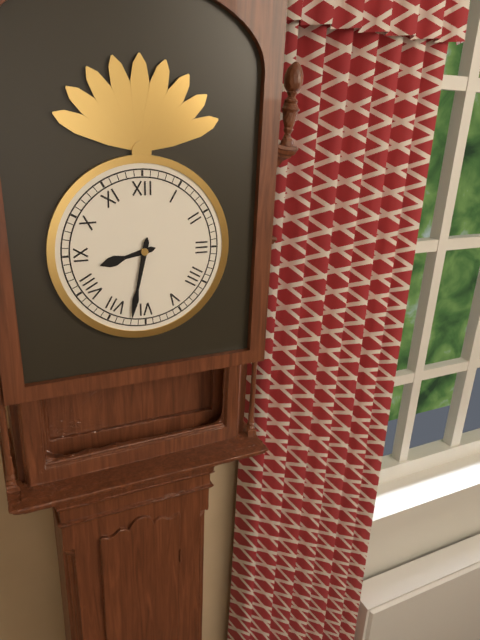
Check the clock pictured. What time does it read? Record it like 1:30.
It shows 8:32
